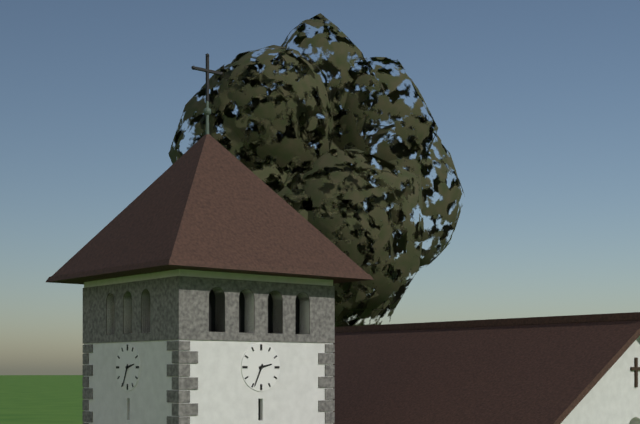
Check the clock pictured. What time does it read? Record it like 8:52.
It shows 2:34
